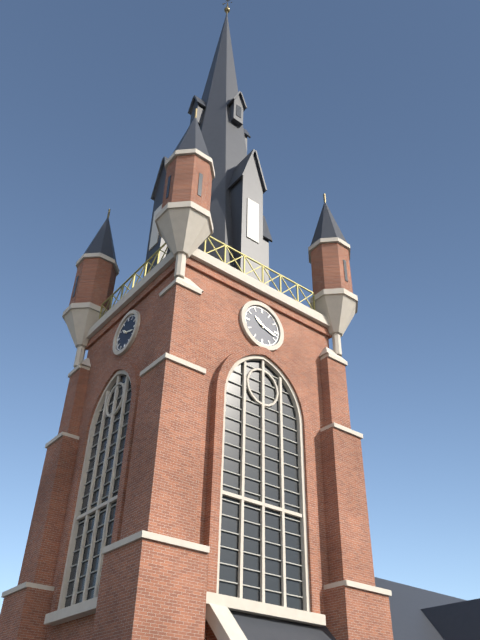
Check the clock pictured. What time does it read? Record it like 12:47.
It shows 10:18
